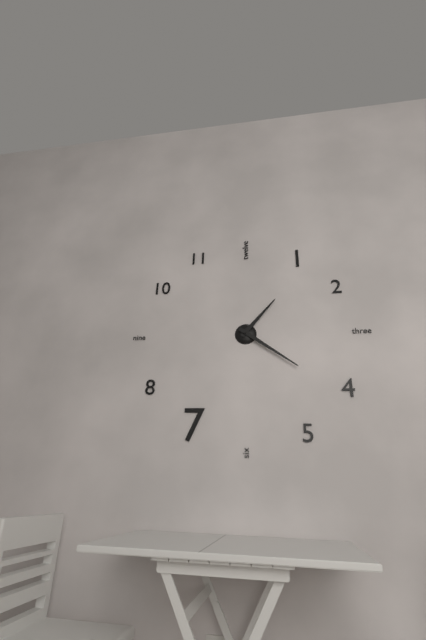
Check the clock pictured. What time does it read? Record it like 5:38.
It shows 1:21
